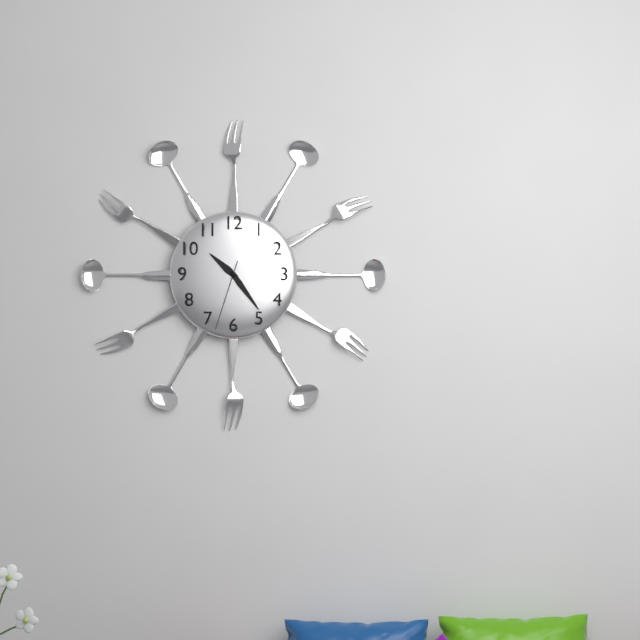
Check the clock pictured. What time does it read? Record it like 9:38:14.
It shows 10:24:33
